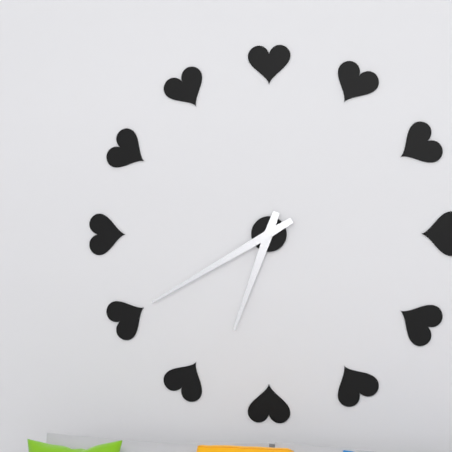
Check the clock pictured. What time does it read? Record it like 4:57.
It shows 6:40
